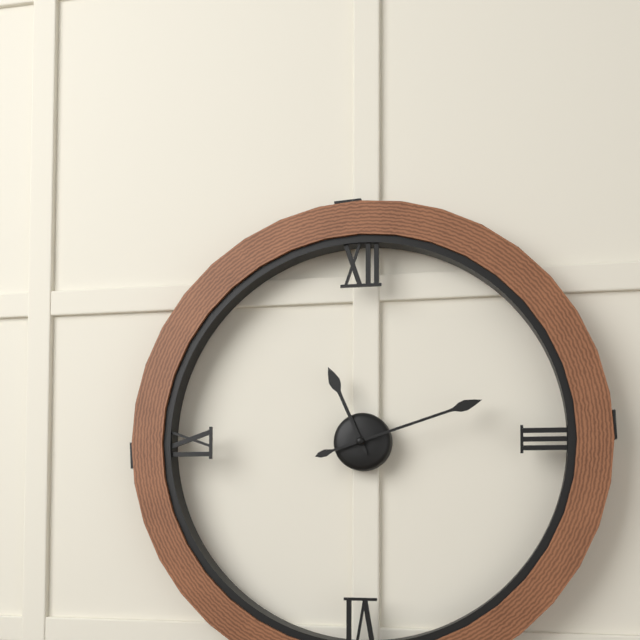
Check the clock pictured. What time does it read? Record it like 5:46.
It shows 11:12
